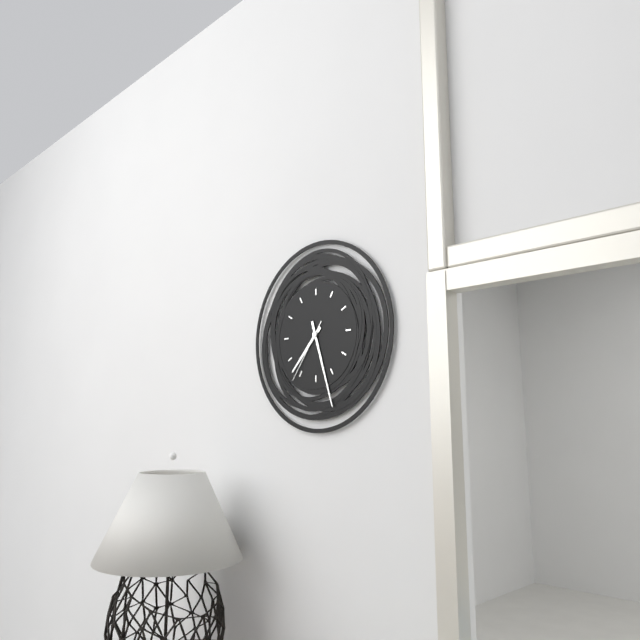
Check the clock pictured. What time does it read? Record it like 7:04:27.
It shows 7:27:36
